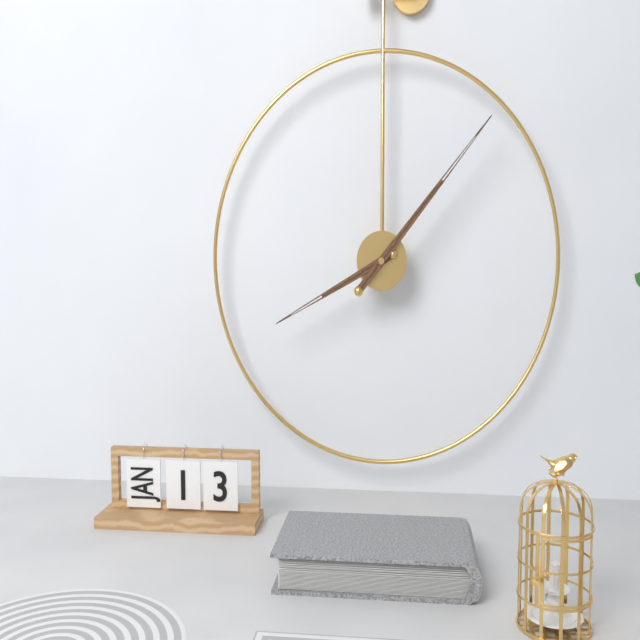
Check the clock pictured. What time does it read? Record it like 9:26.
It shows 8:07
